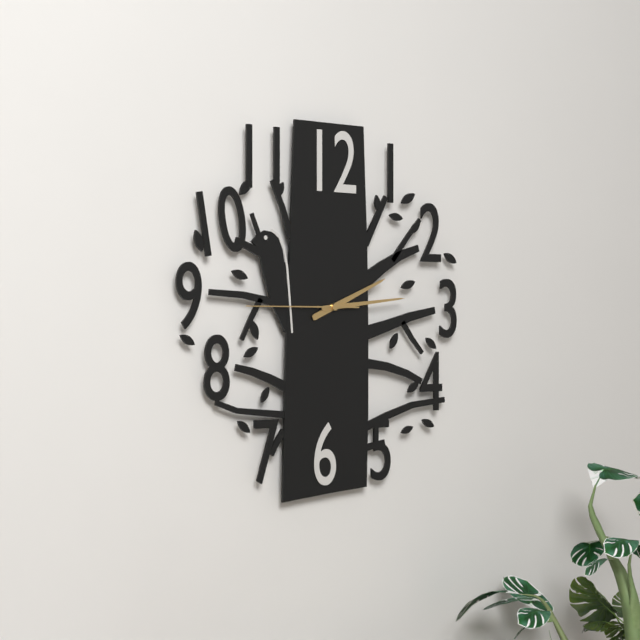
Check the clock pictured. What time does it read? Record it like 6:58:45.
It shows 2:14:45
